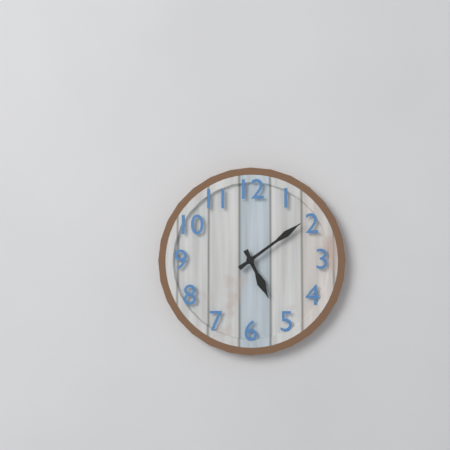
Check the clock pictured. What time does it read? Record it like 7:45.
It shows 5:09
